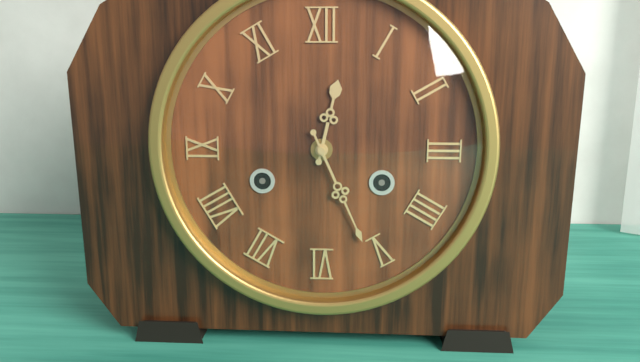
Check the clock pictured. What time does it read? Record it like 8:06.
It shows 12:26
